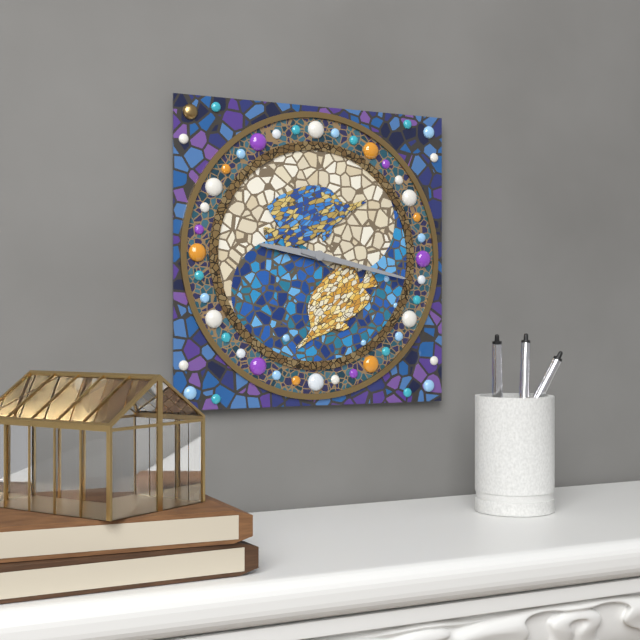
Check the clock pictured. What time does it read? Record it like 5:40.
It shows 9:17
